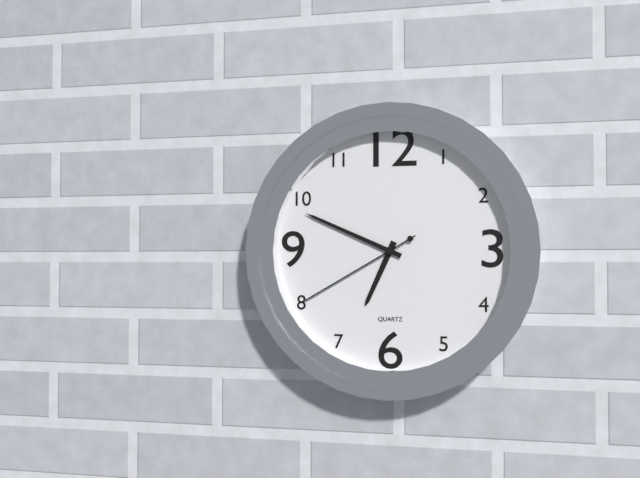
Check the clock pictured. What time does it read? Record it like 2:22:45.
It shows 6:49:40
